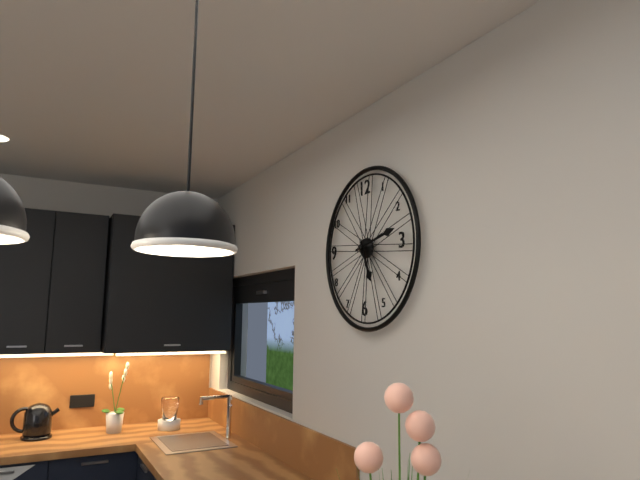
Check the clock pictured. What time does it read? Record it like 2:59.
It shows 5:13
